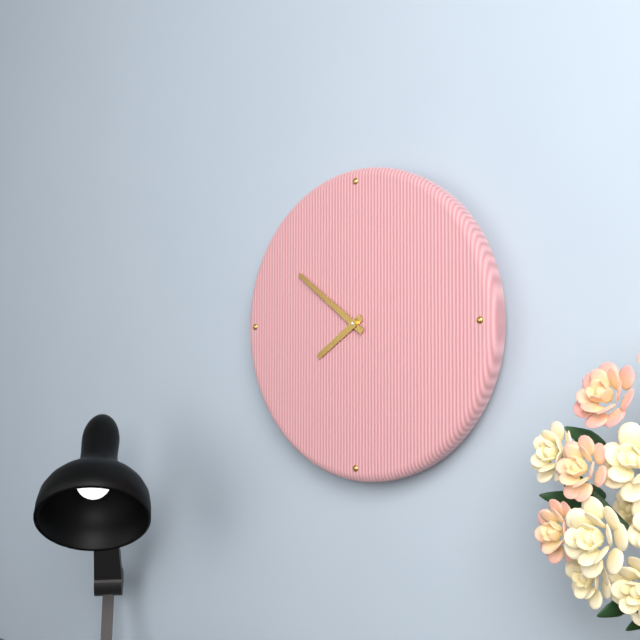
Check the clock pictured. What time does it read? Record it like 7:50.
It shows 7:51
